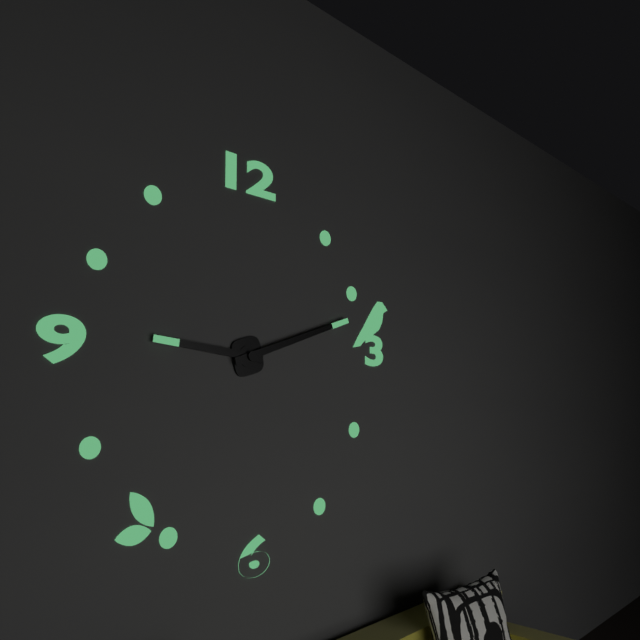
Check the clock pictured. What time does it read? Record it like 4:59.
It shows 9:12
